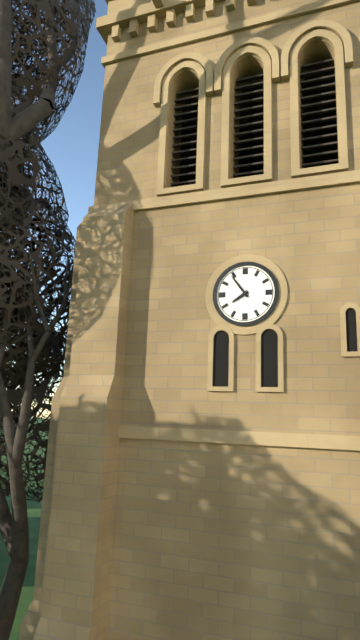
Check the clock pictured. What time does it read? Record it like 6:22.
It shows 7:54
